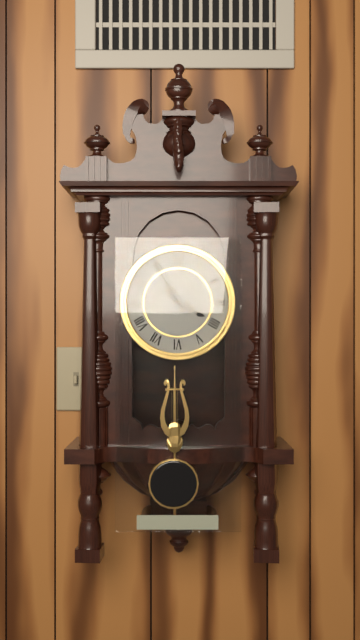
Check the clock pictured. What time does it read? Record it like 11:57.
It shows 3:55
